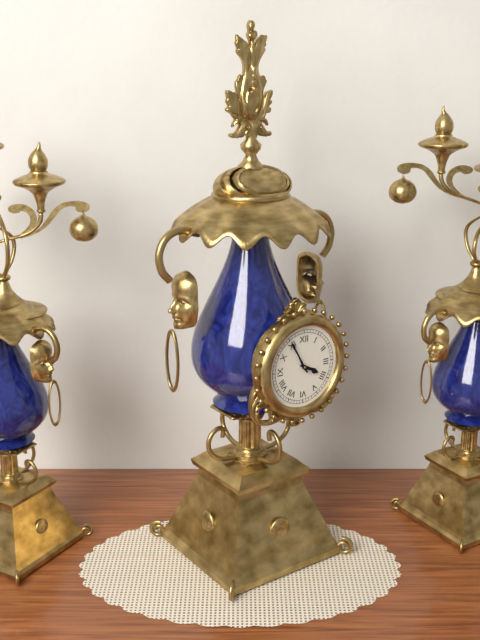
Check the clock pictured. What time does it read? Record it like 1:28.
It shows 3:55
